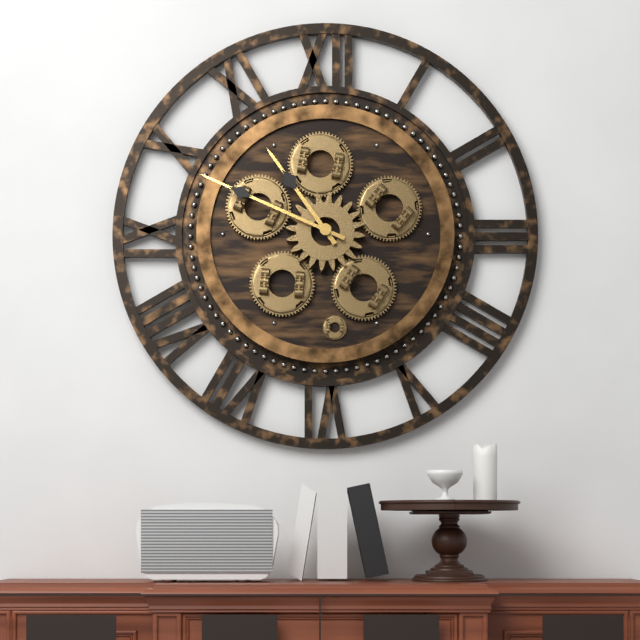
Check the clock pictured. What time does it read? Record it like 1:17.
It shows 10:49
